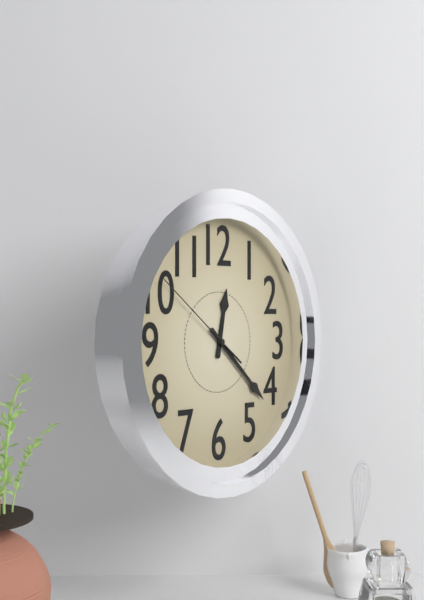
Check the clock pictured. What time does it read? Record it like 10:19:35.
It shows 12:22:51
